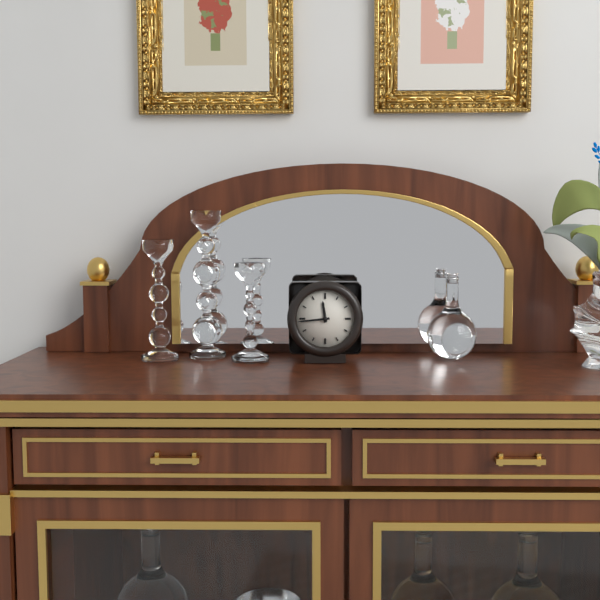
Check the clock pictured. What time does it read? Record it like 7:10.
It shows 11:44
